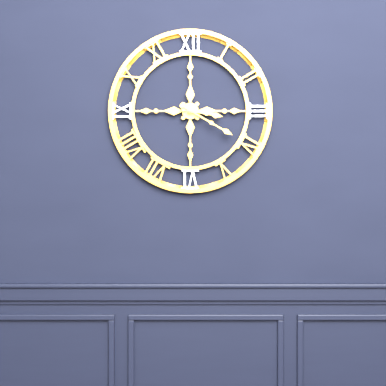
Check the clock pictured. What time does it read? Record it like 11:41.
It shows 3:20
